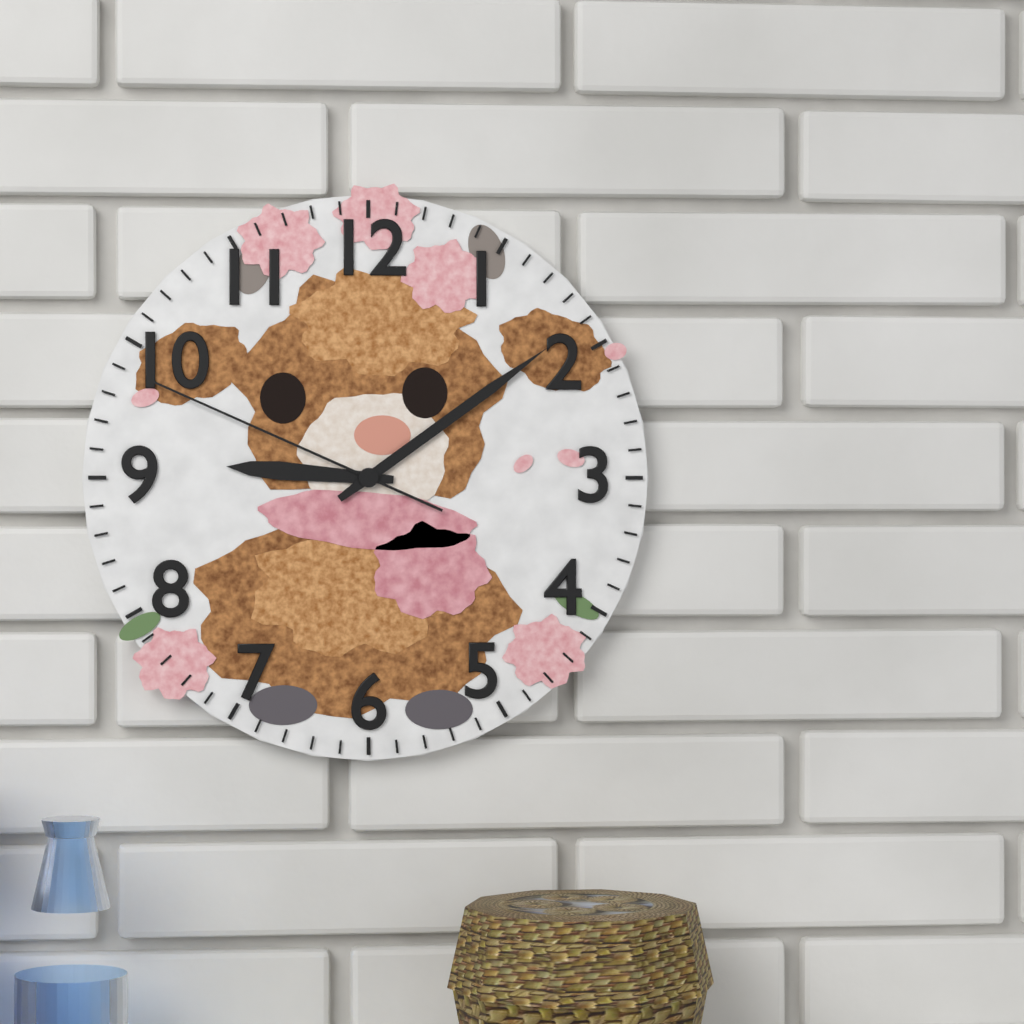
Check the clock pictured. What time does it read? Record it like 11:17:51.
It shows 9:09:49
